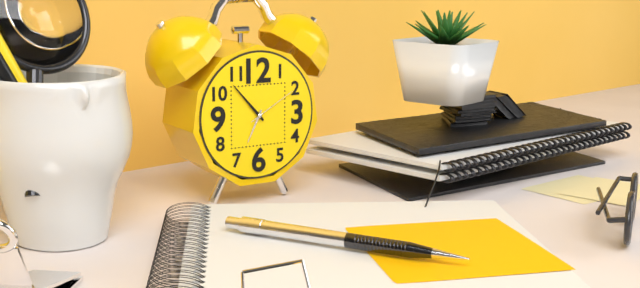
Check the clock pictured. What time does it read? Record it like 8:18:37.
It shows 6:53:10
